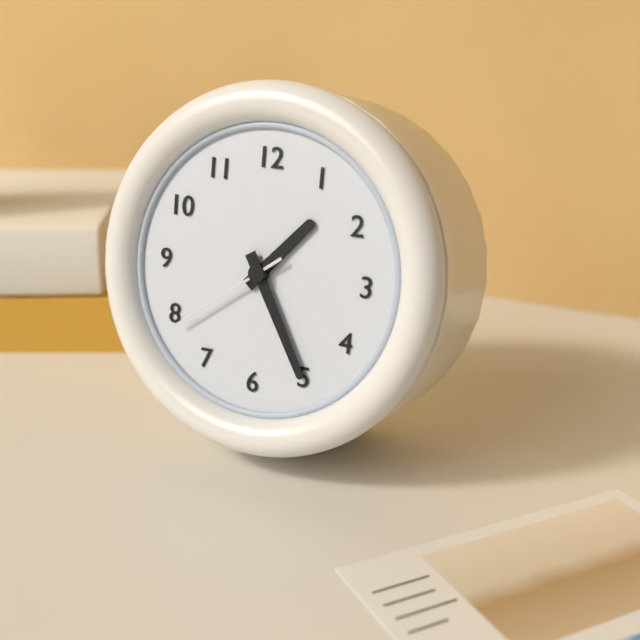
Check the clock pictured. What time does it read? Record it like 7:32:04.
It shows 1:25:39
